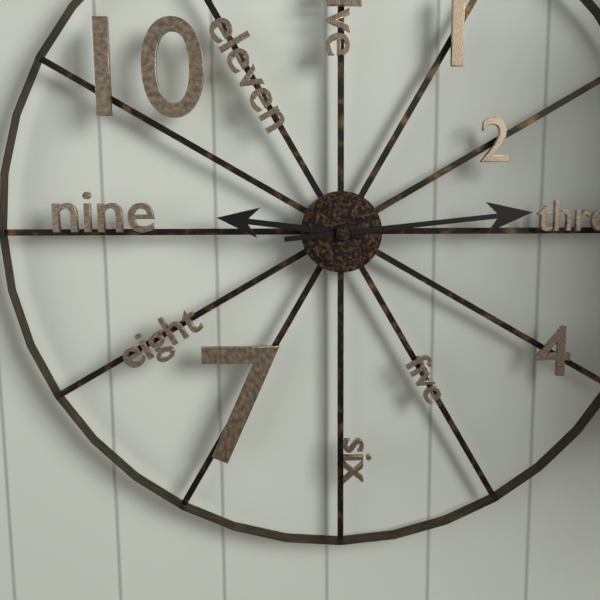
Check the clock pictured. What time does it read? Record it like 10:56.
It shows 9:14
